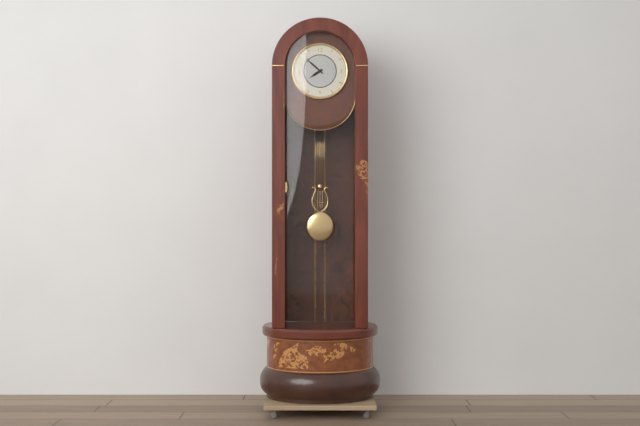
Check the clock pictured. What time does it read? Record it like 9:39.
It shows 7:52
